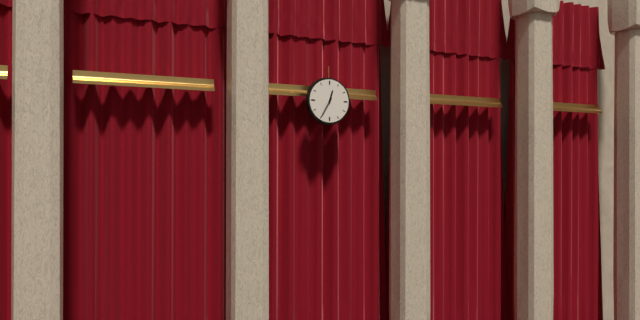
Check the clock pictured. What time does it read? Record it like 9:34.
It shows 12:35
